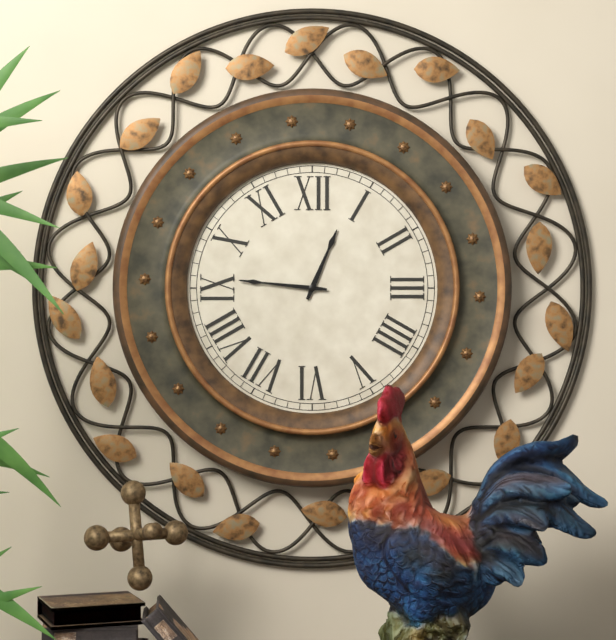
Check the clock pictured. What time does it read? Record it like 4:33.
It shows 12:46
